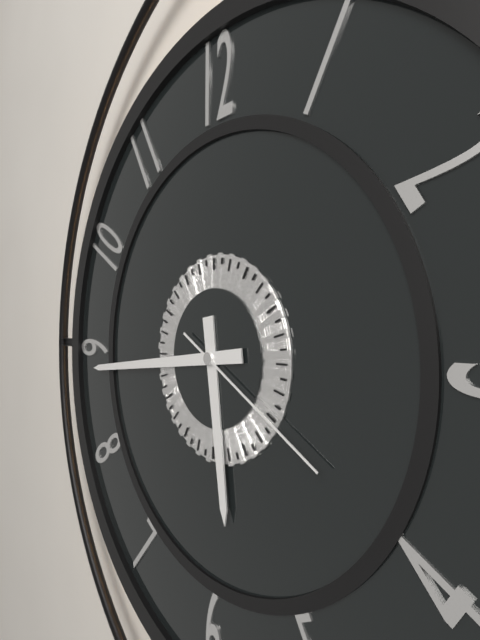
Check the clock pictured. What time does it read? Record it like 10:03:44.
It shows 5:44:20
